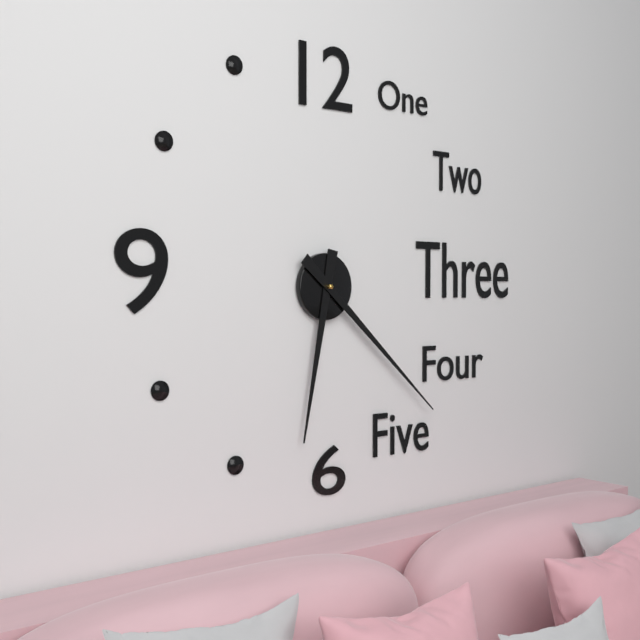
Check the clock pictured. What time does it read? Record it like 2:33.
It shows 6:22
